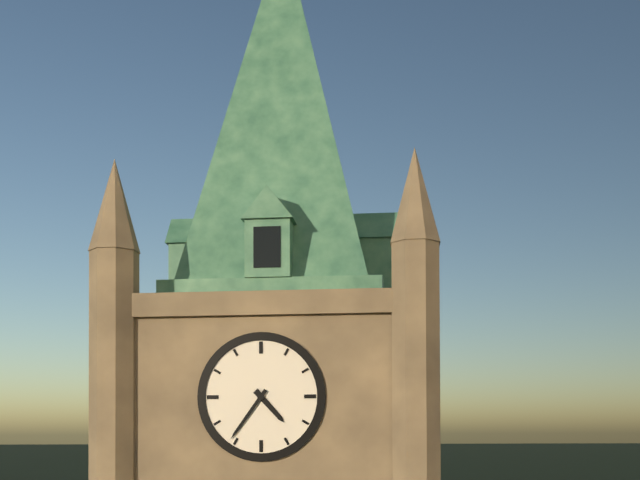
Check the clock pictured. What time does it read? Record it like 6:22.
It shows 4:36
